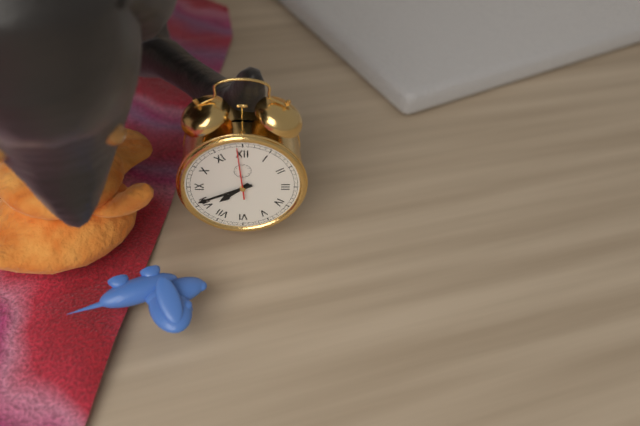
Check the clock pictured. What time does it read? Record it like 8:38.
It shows 7:41
